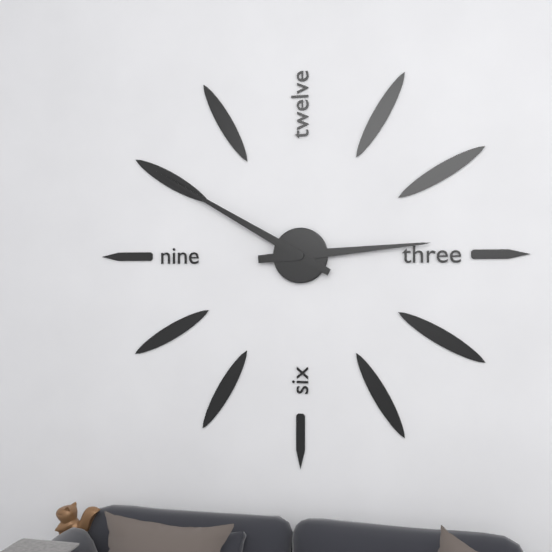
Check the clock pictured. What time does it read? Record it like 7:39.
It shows 2:50
